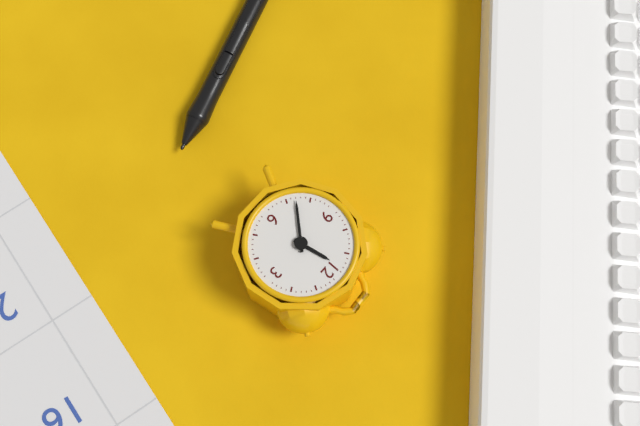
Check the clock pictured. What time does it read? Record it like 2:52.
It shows 11:37
